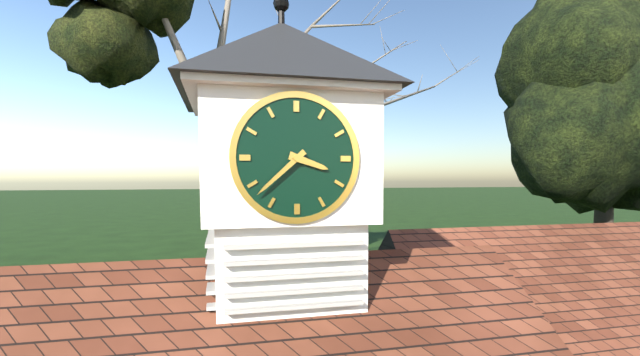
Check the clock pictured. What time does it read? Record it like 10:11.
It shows 3:38
